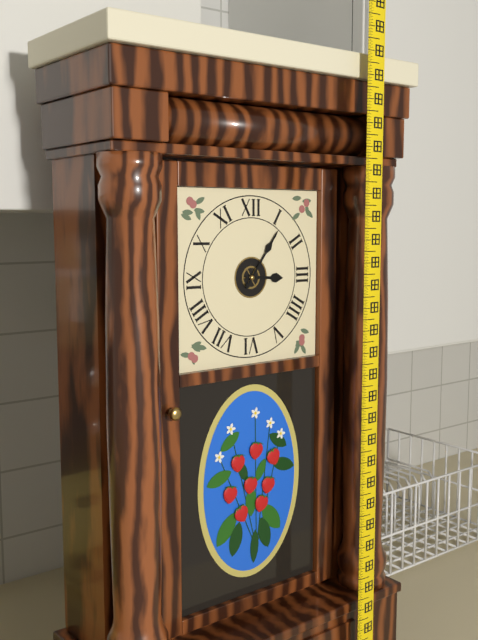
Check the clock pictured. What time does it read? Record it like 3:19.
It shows 3:06
